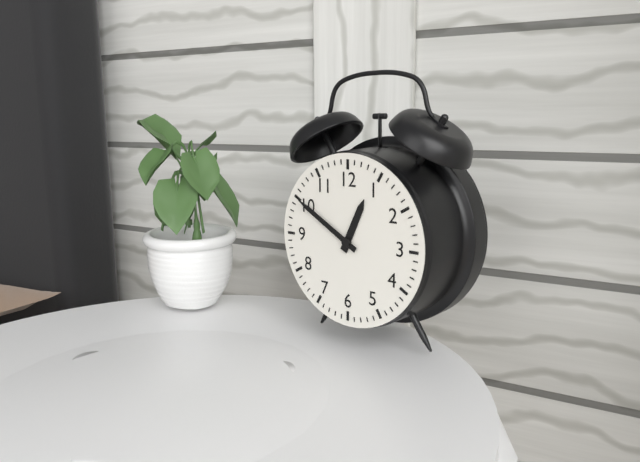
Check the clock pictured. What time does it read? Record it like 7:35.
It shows 12:50
